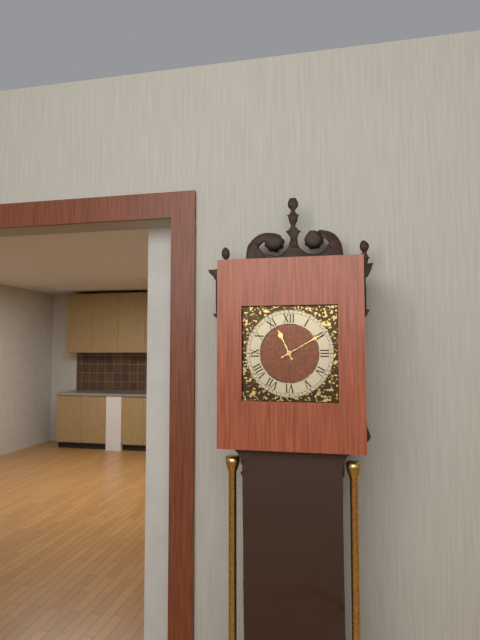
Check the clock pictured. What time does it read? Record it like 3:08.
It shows 11:10
